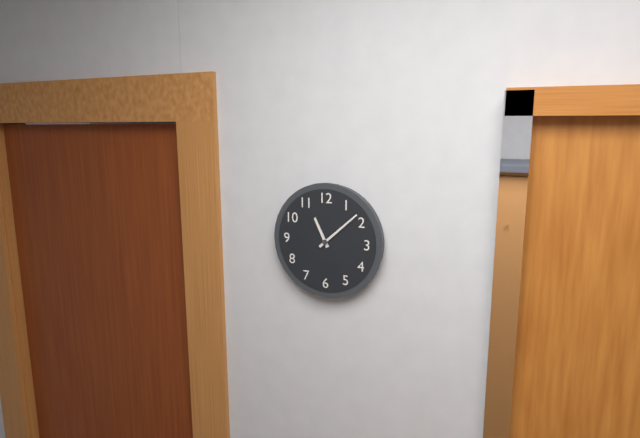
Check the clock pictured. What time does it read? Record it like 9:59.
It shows 11:08
